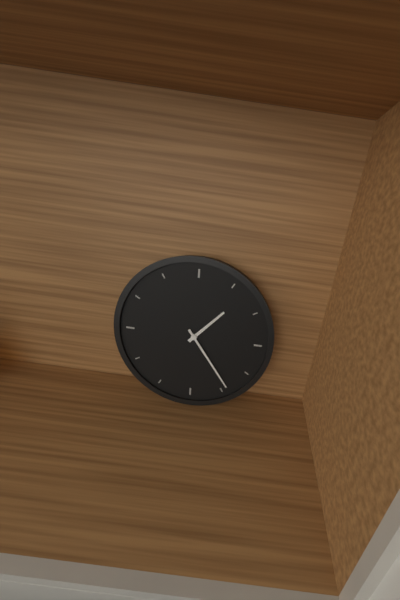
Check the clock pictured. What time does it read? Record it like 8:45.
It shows 1:24
